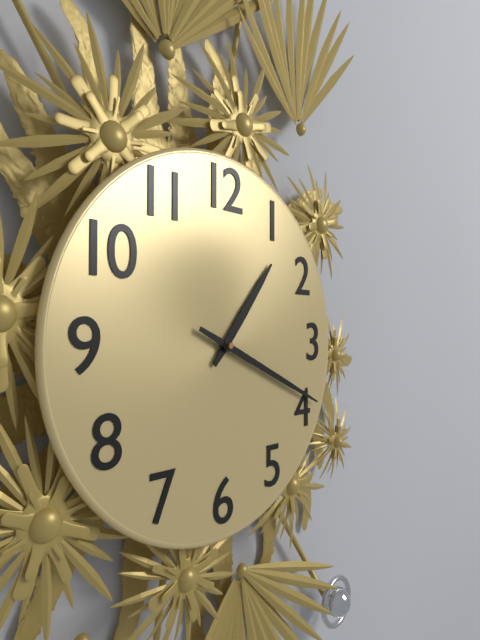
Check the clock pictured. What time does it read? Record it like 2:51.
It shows 1:19
